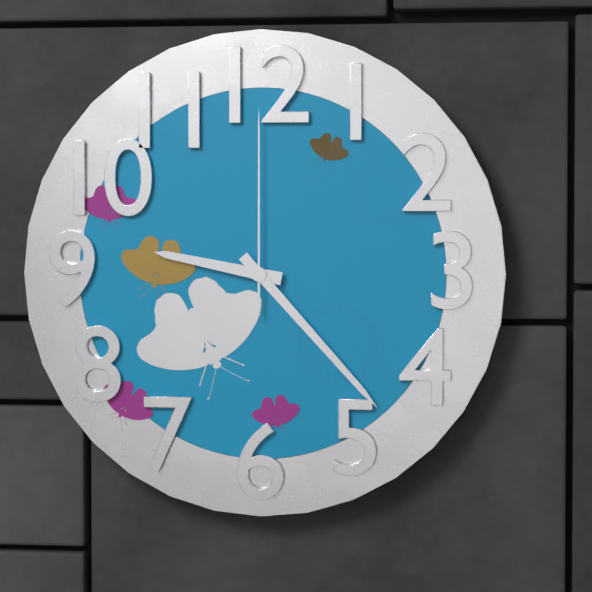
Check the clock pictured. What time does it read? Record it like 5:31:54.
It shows 9:23:00
